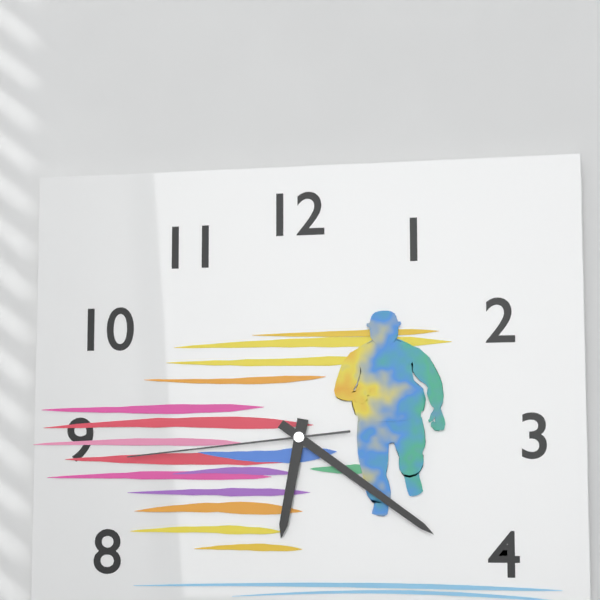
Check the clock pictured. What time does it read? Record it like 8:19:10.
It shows 6:21:44
